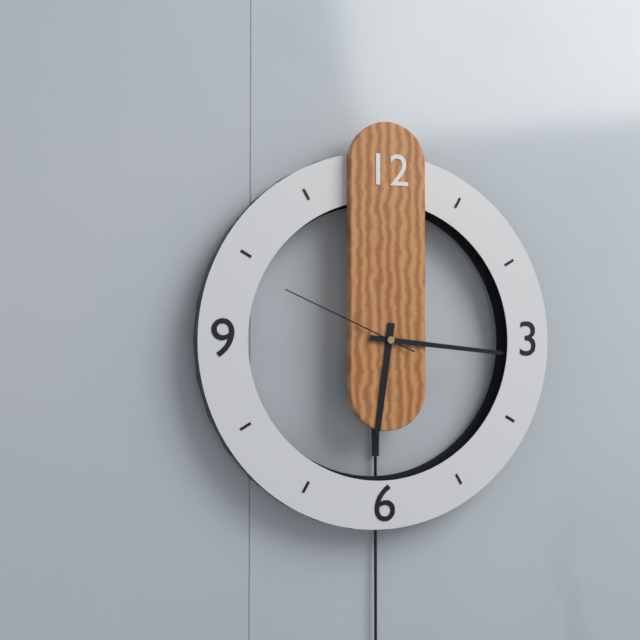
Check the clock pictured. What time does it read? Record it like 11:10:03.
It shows 6:16:49
